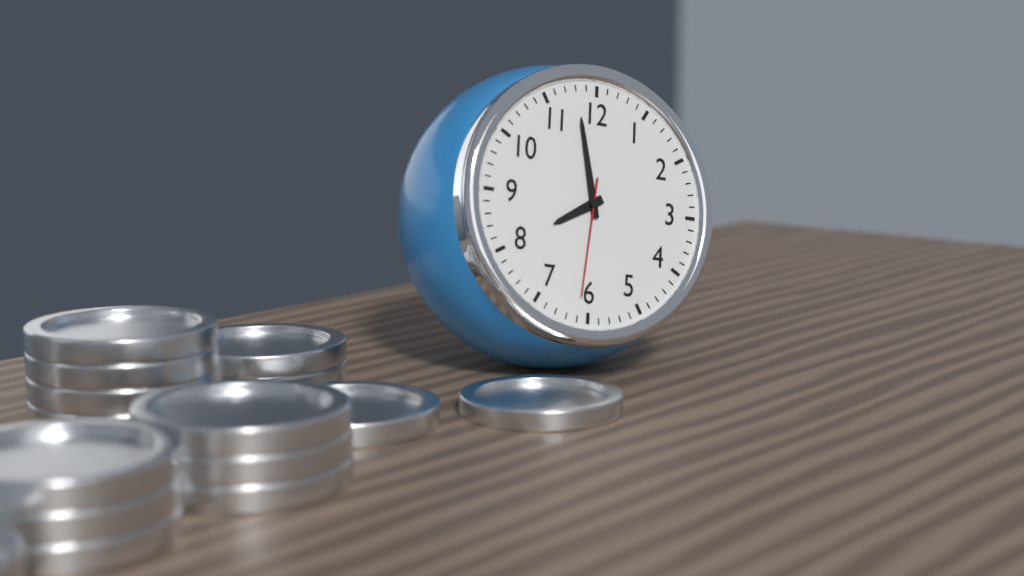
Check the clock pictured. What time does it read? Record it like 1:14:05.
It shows 7:58:31
